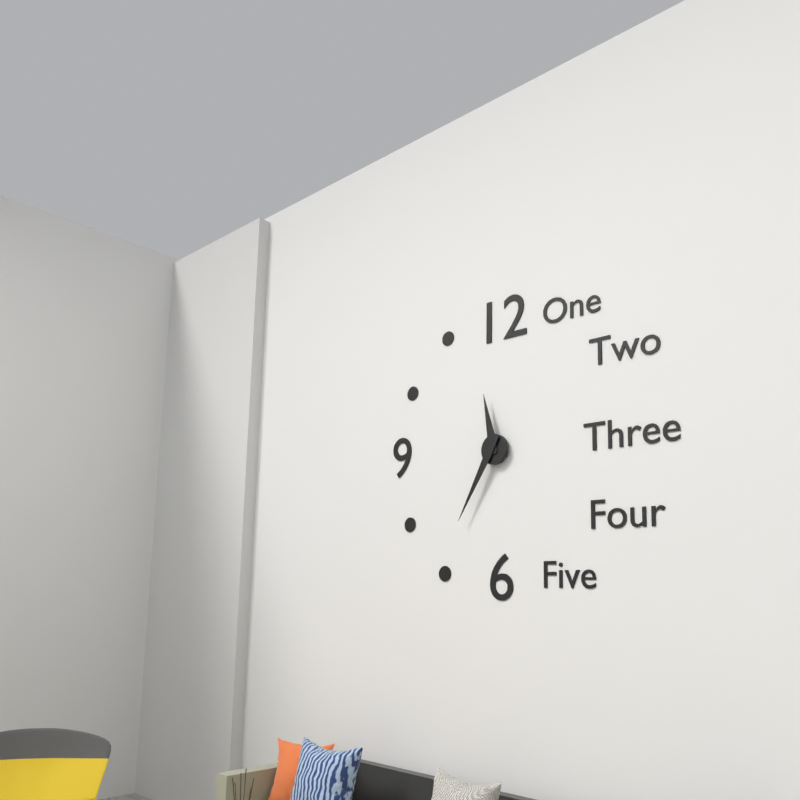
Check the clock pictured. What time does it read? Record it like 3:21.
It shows 11:35
